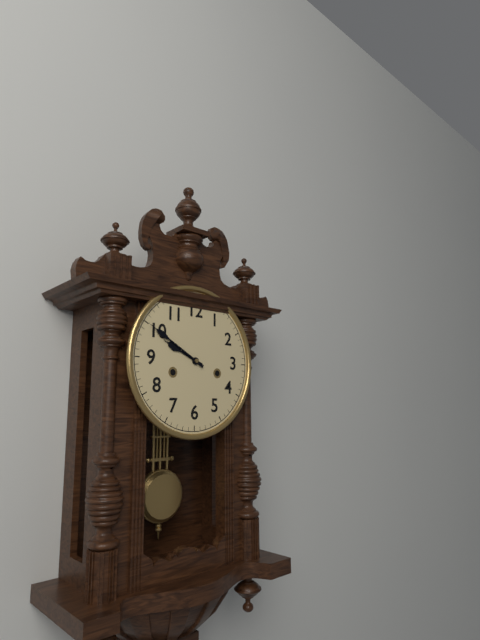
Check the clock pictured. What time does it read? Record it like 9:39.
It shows 9:50
